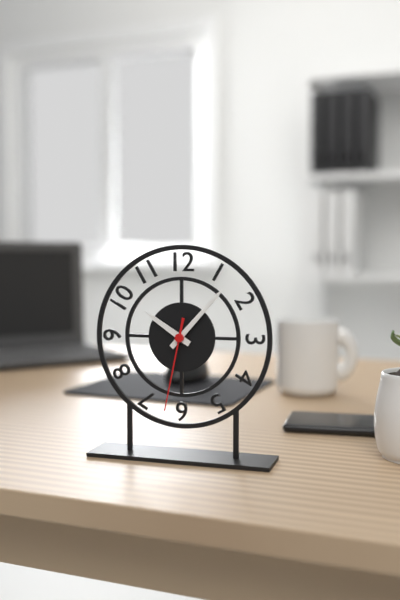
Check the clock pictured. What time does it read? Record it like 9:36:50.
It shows 10:07:32
